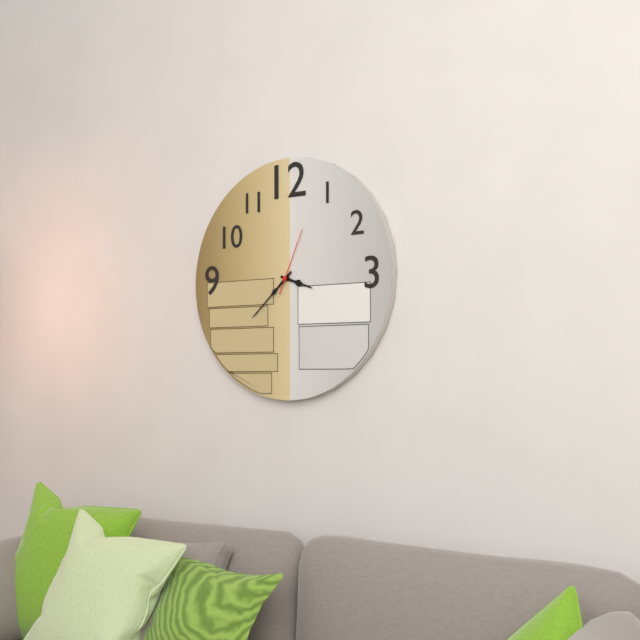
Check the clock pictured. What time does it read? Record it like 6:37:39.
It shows 3:38:04
